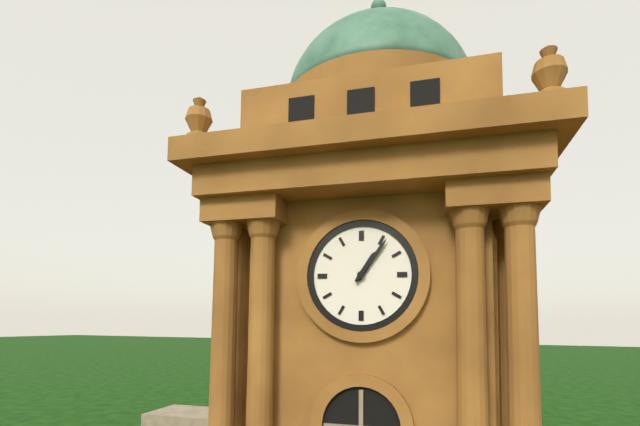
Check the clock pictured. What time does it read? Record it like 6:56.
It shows 1:06
